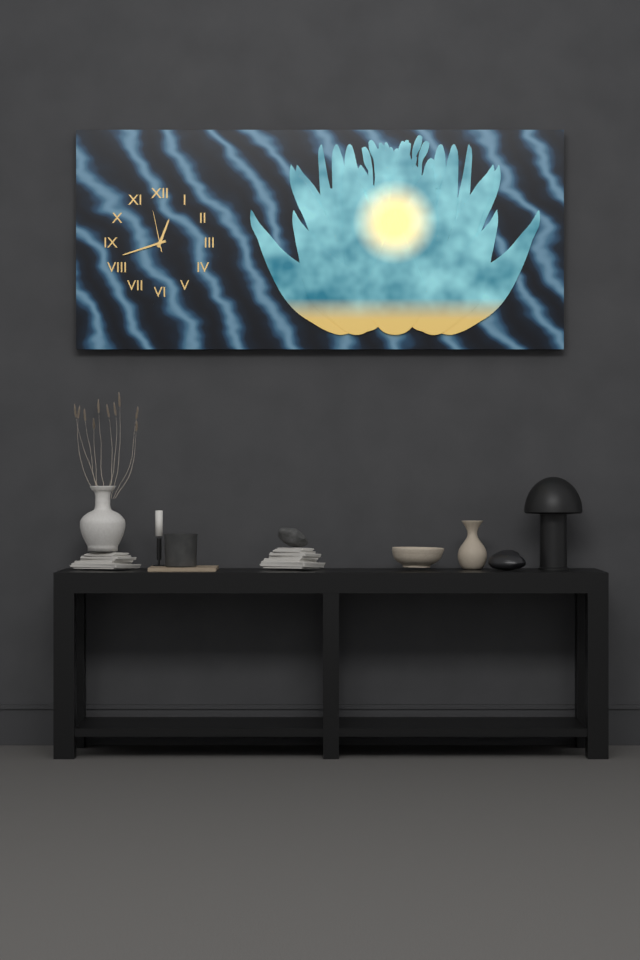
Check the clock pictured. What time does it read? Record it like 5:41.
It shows 12:42
